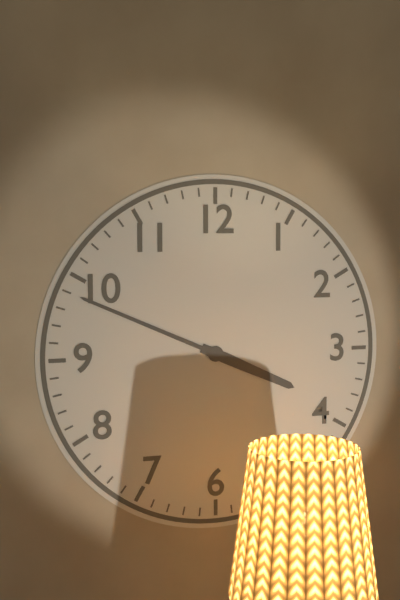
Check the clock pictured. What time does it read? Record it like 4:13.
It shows 3:49
